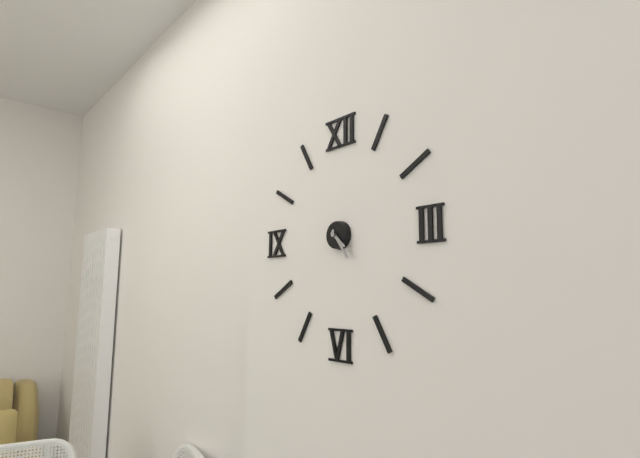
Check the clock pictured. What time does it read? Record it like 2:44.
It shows 4:24
